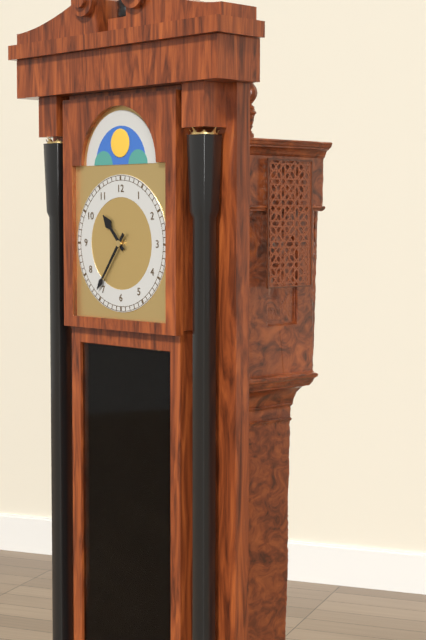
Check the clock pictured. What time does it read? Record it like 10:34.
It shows 10:36
